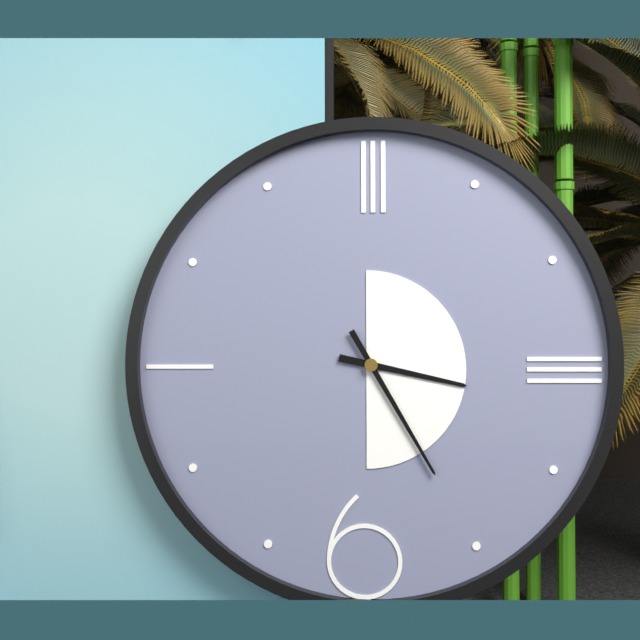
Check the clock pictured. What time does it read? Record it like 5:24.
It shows 3:25
